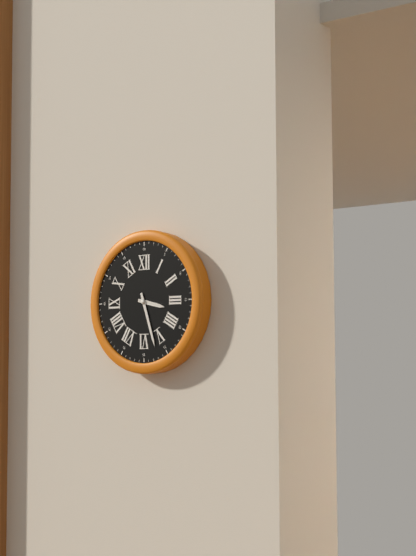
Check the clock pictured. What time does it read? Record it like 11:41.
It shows 3:27
